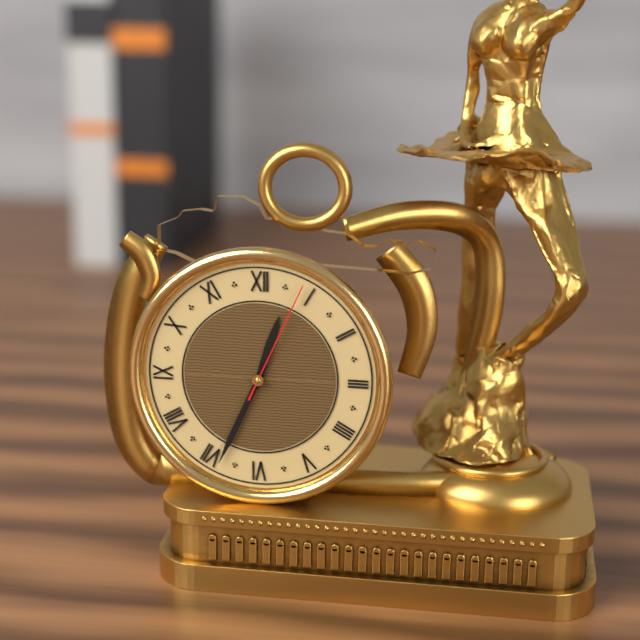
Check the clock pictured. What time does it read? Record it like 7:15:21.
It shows 12:34:04
